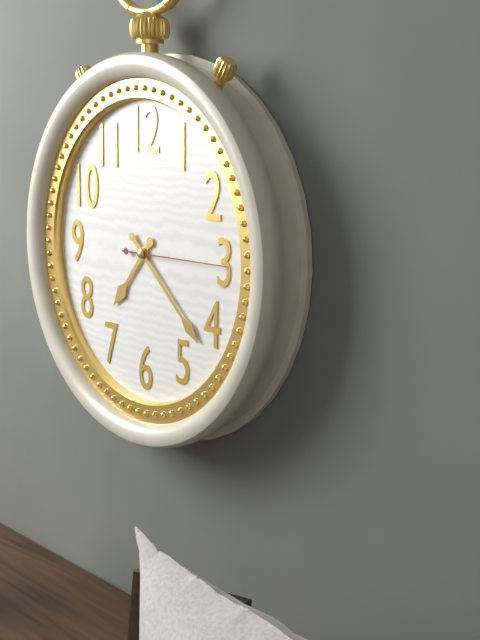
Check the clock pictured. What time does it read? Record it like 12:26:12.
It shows 7:22:15
